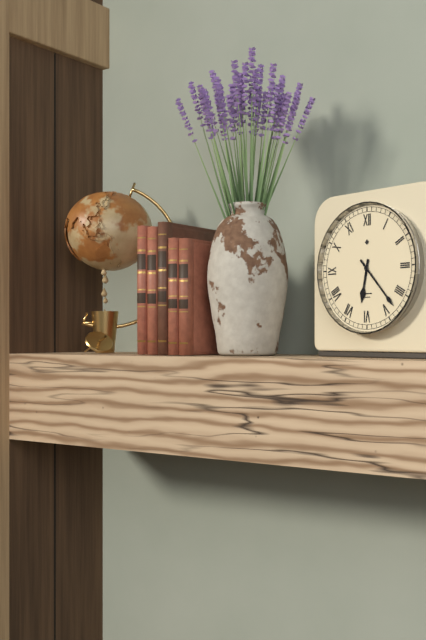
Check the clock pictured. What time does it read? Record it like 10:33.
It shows 6:23
